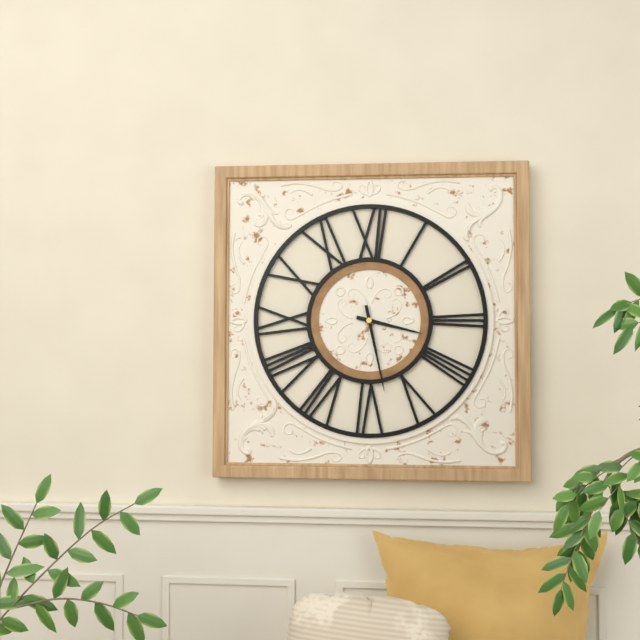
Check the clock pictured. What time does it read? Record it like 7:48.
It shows 3:28
